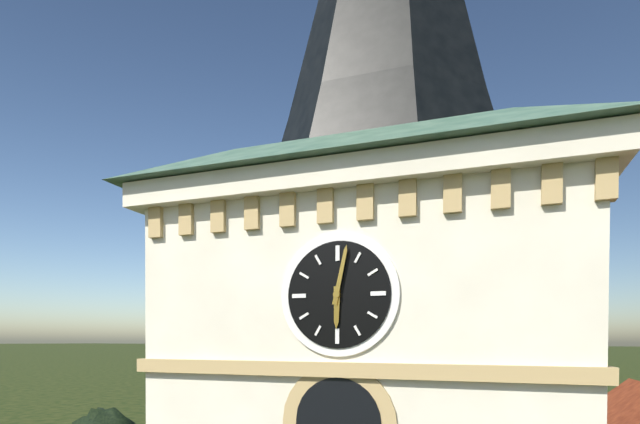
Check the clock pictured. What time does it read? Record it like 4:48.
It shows 6:02
